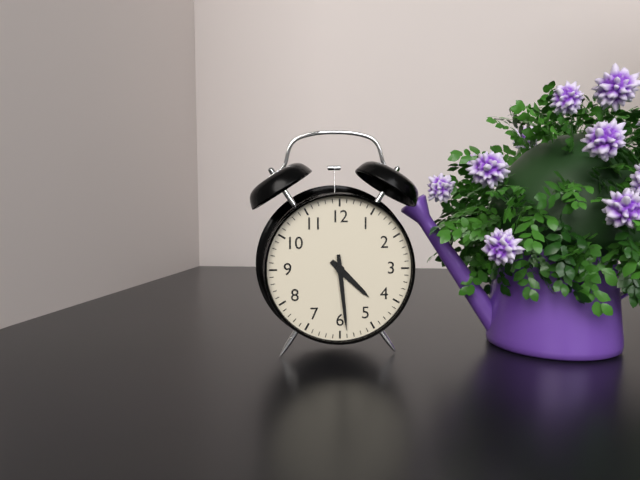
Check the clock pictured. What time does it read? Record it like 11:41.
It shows 4:29
